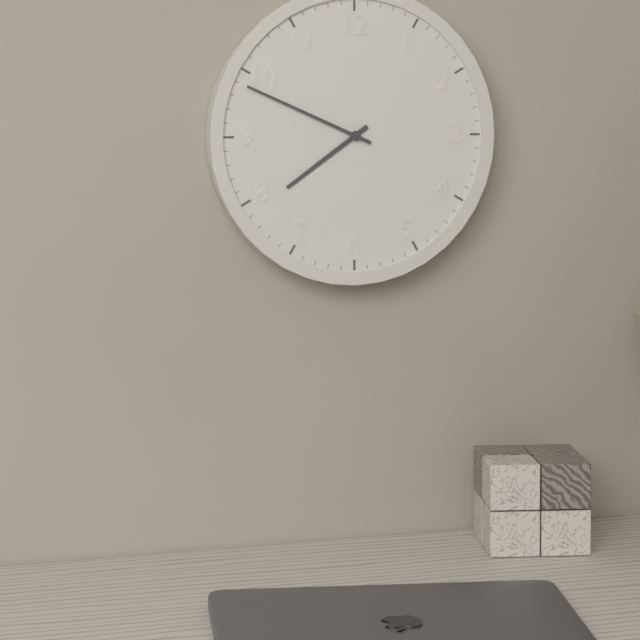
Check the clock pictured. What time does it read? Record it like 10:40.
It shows 7:49
